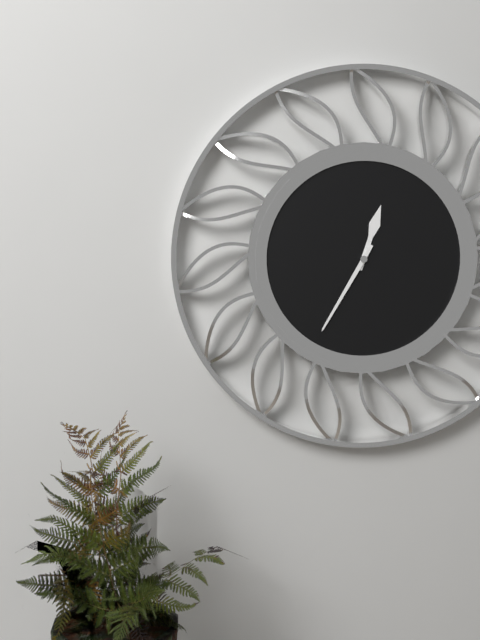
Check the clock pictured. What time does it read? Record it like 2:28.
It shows 12:35
